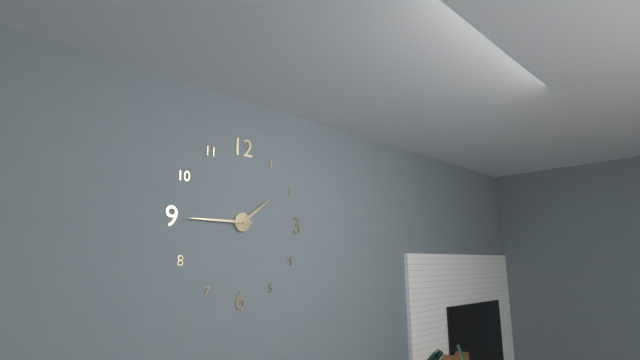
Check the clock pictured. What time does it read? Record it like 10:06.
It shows 1:45
